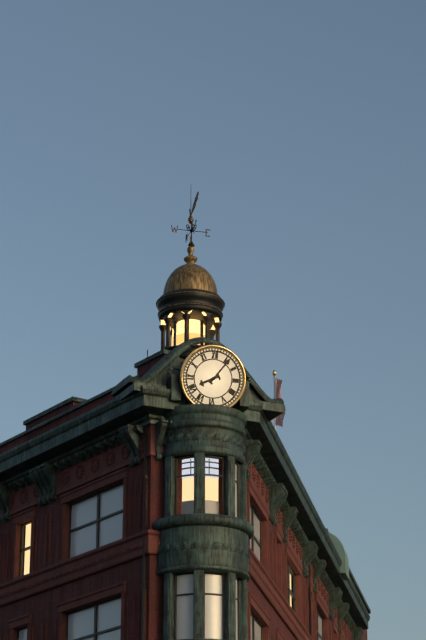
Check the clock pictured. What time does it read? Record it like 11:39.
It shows 8:06
